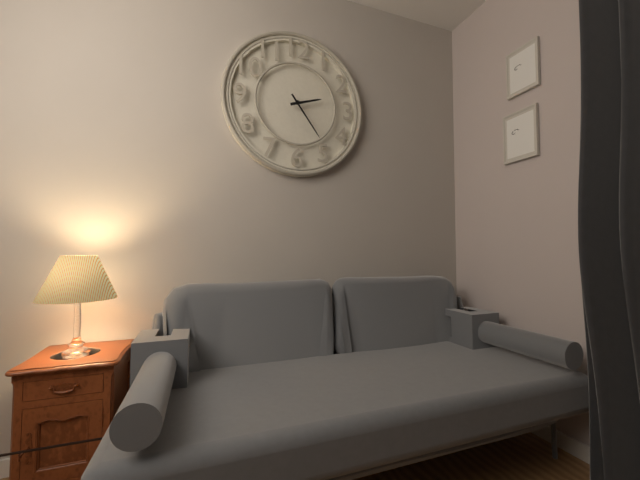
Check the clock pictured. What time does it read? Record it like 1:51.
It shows 2:24
